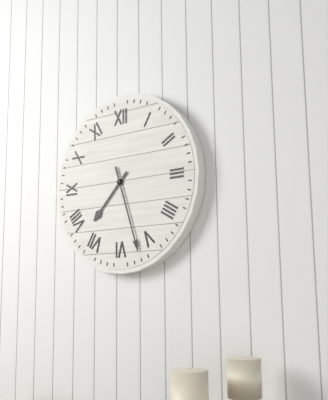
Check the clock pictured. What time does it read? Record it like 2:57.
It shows 7:27
